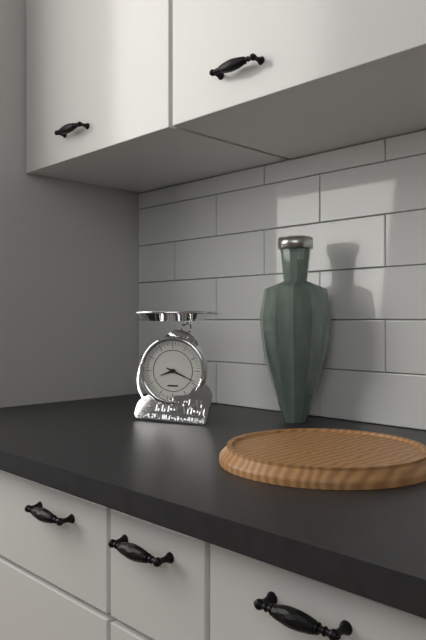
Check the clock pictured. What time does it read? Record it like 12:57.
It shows 8:19
